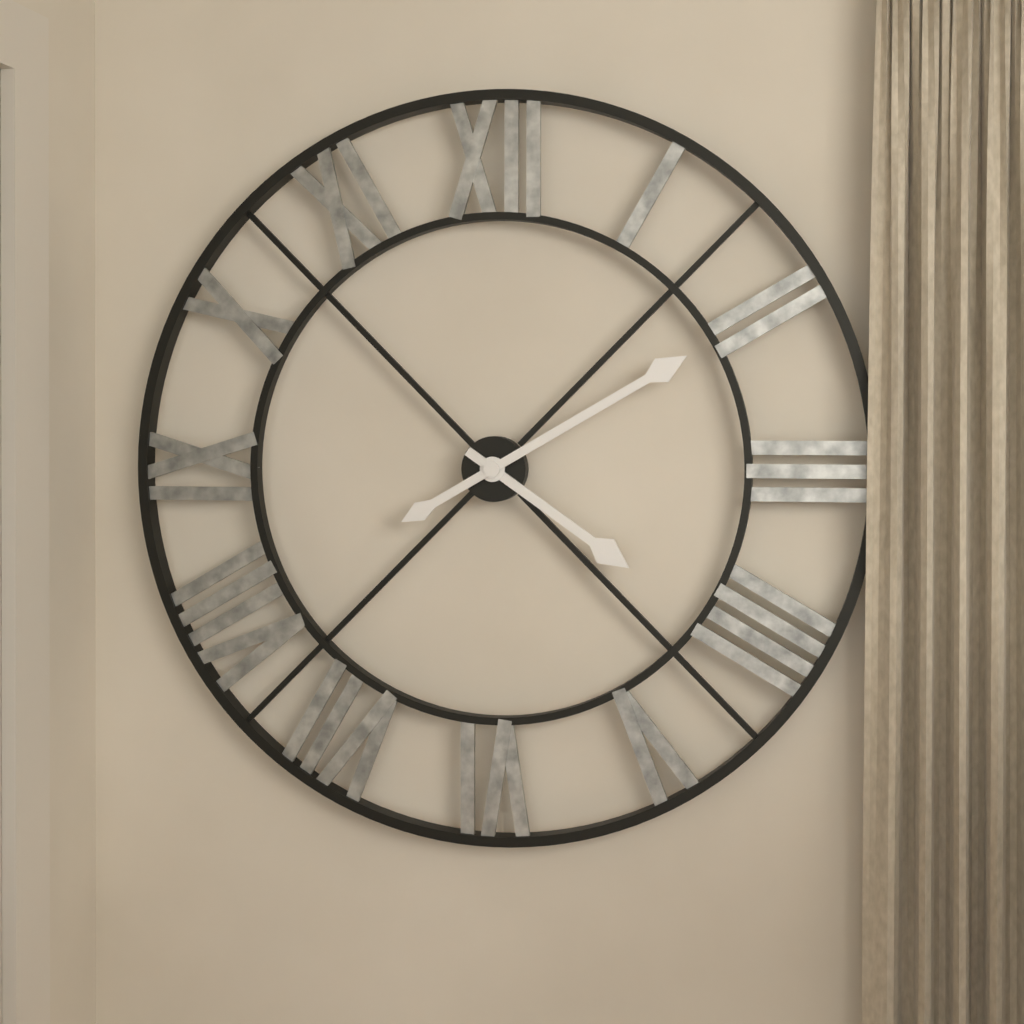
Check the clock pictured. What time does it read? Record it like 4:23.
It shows 4:10
